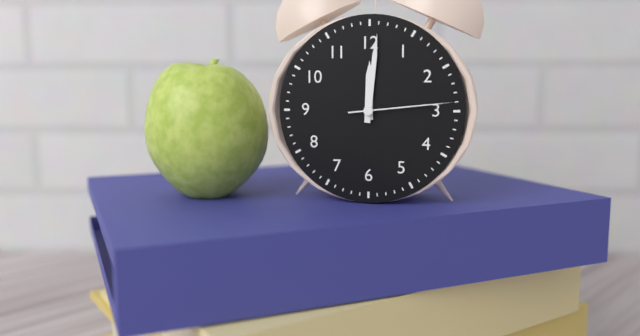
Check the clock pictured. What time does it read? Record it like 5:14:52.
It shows 12:01:14
